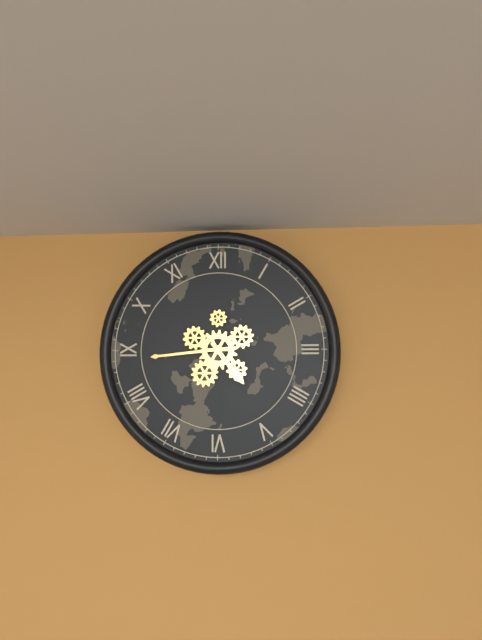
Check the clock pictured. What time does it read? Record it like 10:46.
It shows 4:44
